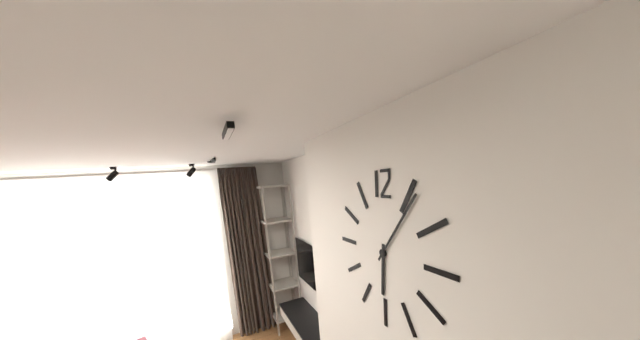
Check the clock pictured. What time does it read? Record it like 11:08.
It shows 6:06
